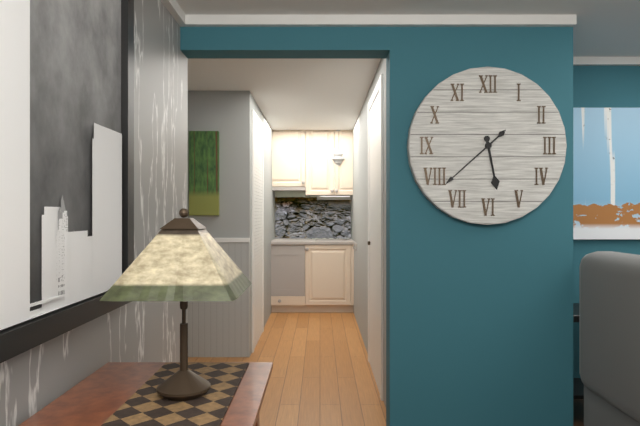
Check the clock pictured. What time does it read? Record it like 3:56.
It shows 5:38
